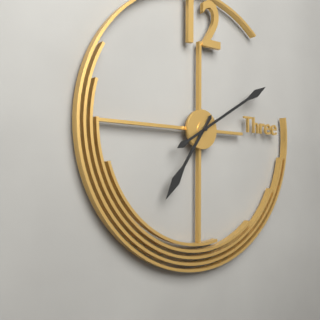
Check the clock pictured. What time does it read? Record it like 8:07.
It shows 7:10
